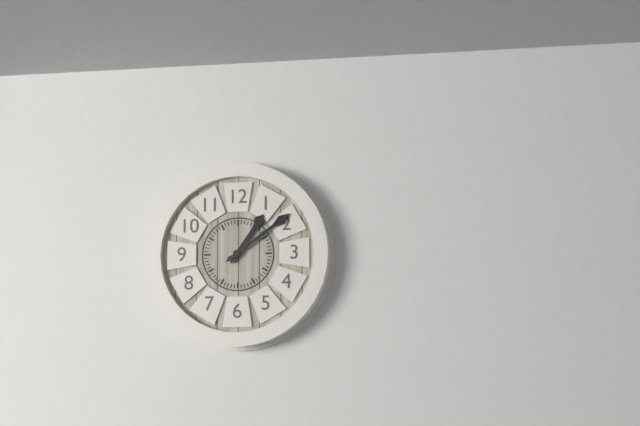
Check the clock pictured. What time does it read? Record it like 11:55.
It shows 1:09
